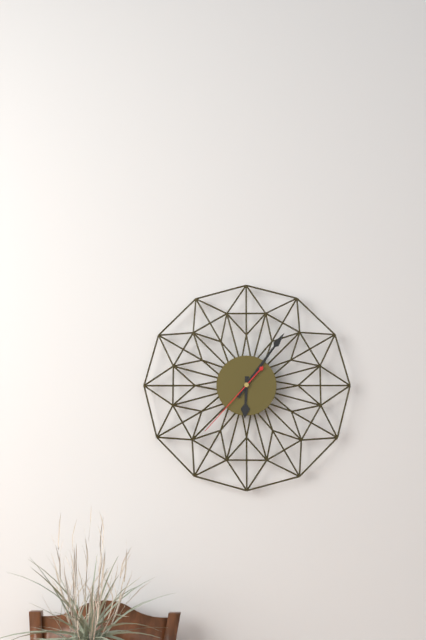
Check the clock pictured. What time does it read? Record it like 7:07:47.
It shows 6:06:37
